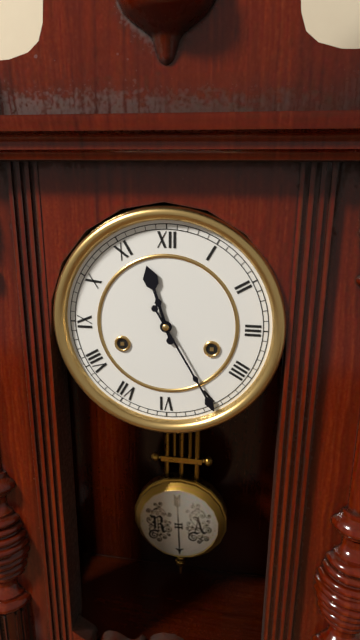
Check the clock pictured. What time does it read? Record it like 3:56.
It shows 11:25
